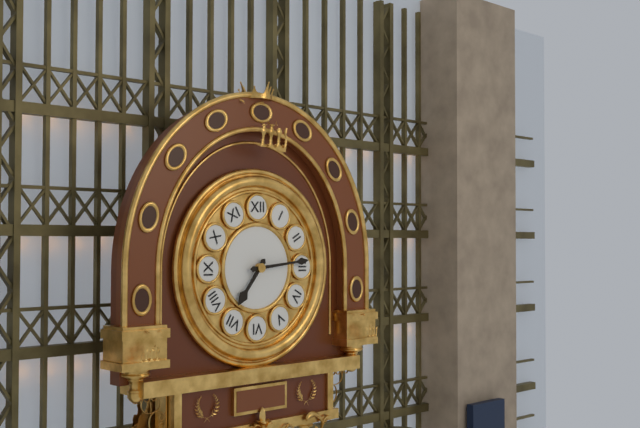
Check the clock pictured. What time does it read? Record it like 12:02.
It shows 7:14
